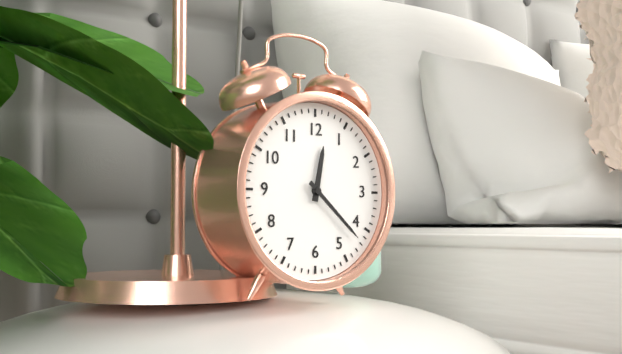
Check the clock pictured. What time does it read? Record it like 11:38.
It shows 12:22
